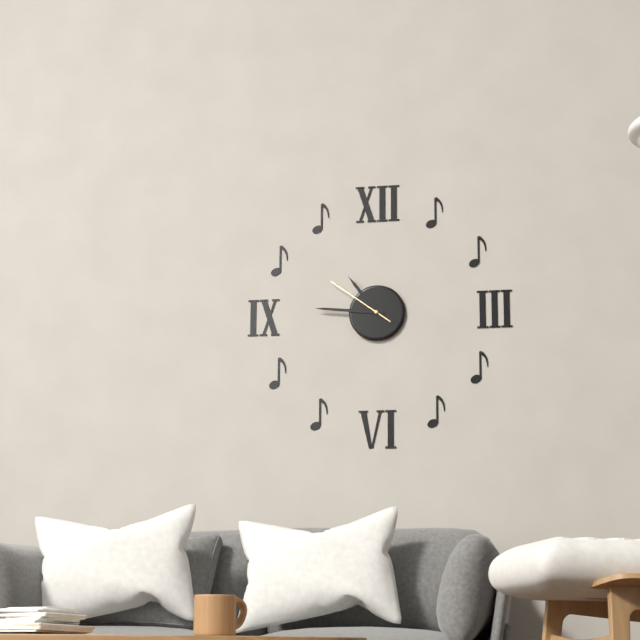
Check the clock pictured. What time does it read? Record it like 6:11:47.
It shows 10:46:51
